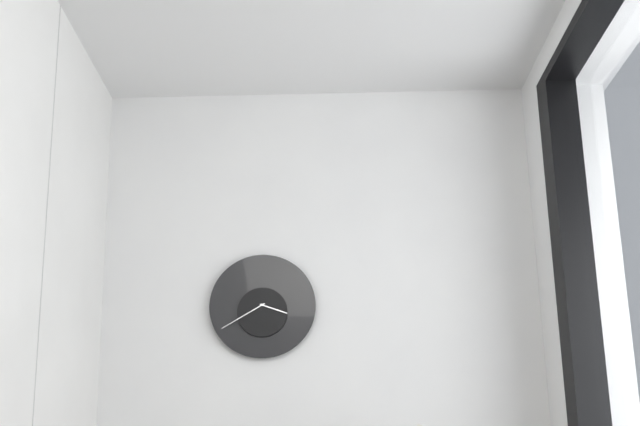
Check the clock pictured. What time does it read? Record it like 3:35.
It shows 3:40
